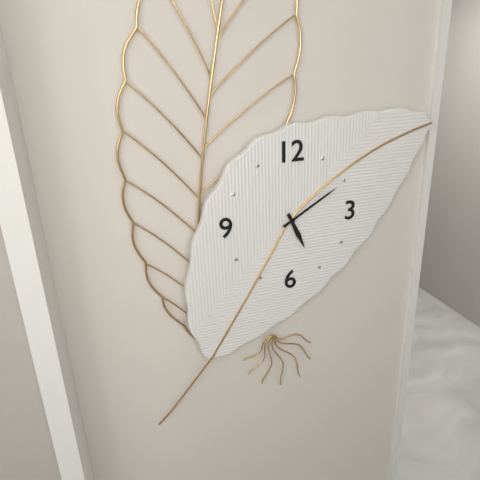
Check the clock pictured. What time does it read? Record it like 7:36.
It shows 5:10
